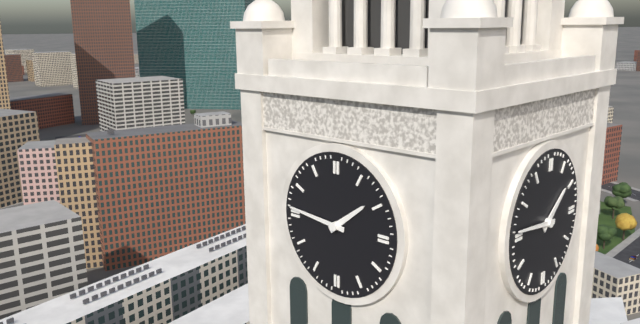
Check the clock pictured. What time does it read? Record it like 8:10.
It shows 1:46
